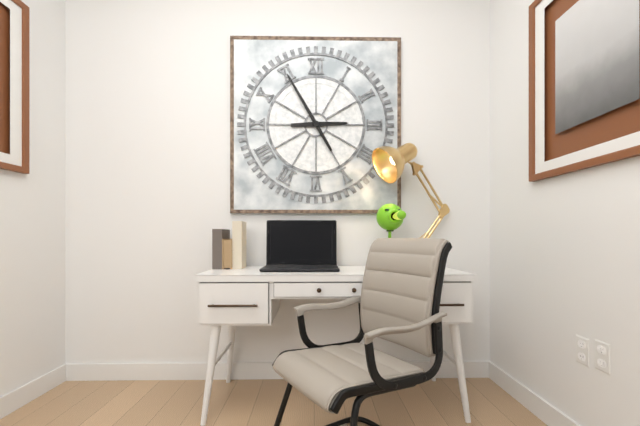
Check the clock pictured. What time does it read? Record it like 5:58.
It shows 2:55
